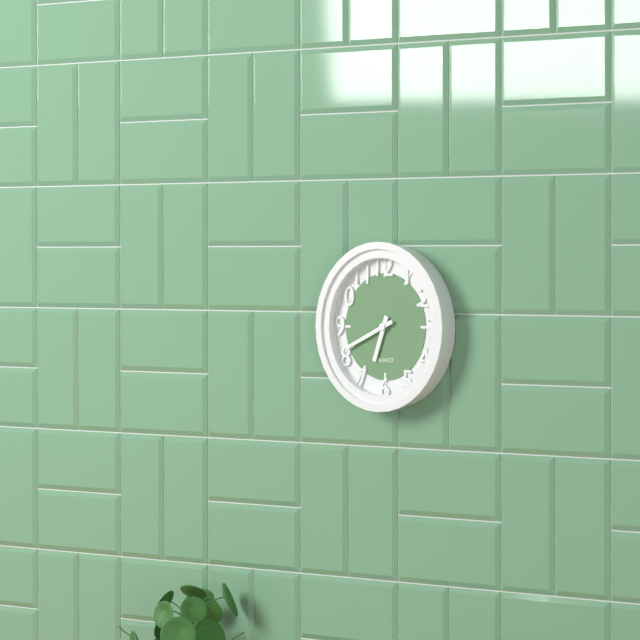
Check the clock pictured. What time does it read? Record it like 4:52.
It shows 6:41
